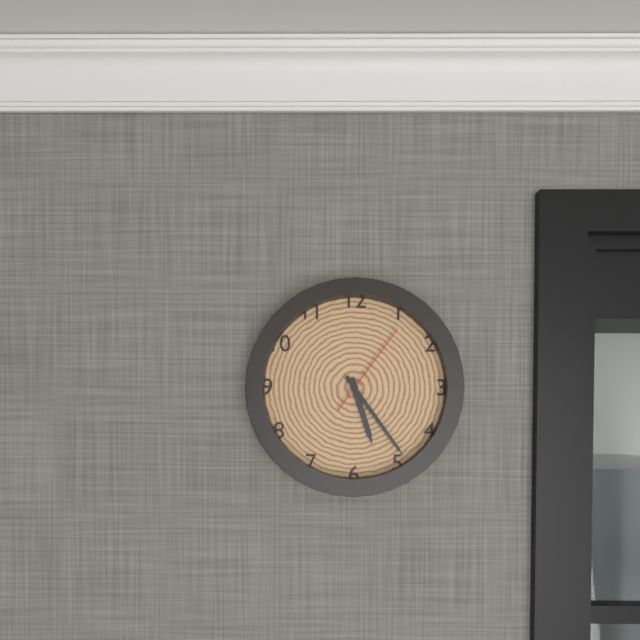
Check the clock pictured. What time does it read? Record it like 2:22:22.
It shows 5:24:06
